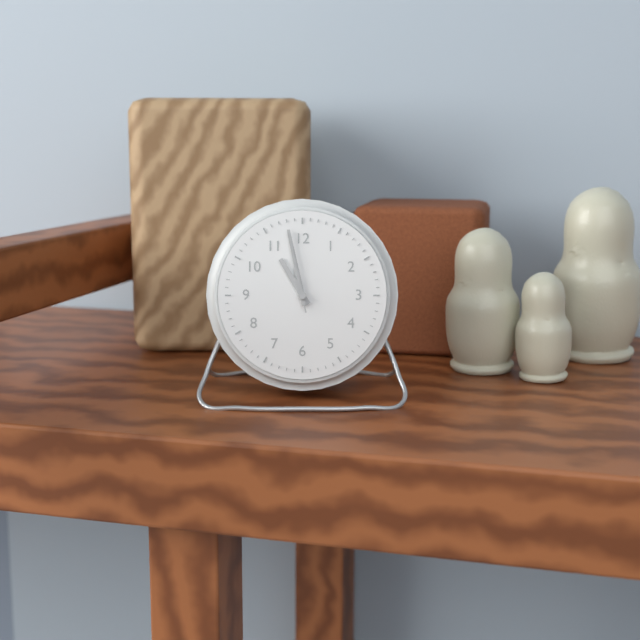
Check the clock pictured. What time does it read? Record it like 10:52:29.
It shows 10:58:58
